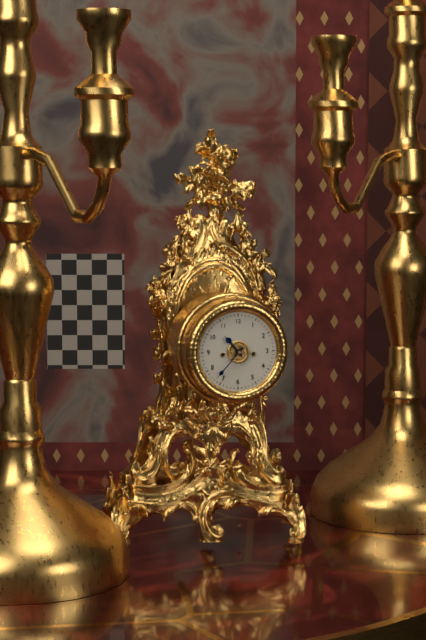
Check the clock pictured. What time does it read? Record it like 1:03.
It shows 10:37
